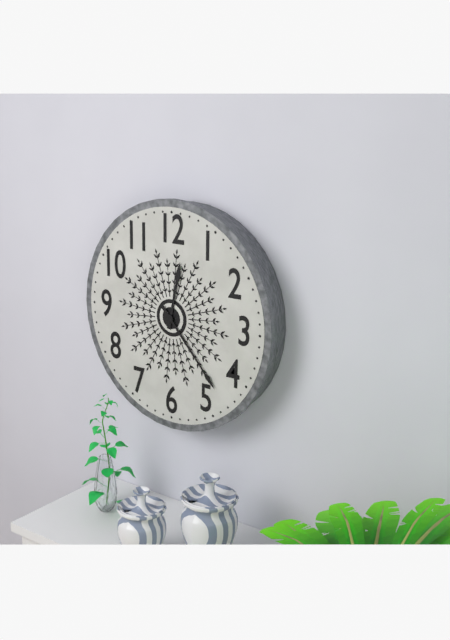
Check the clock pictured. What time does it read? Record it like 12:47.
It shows 12:23
